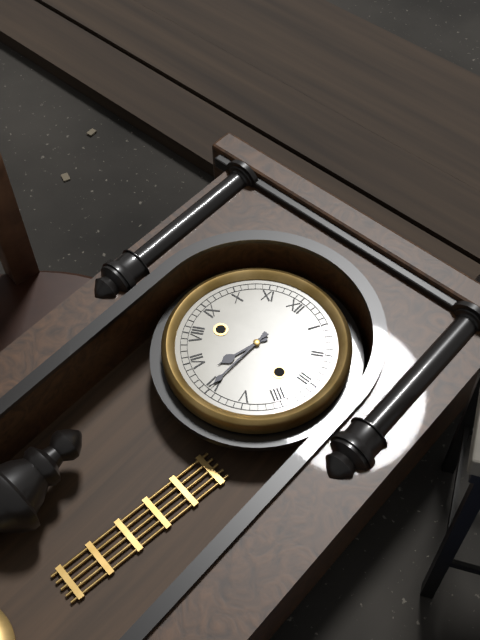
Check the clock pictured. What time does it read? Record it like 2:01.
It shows 6:30
